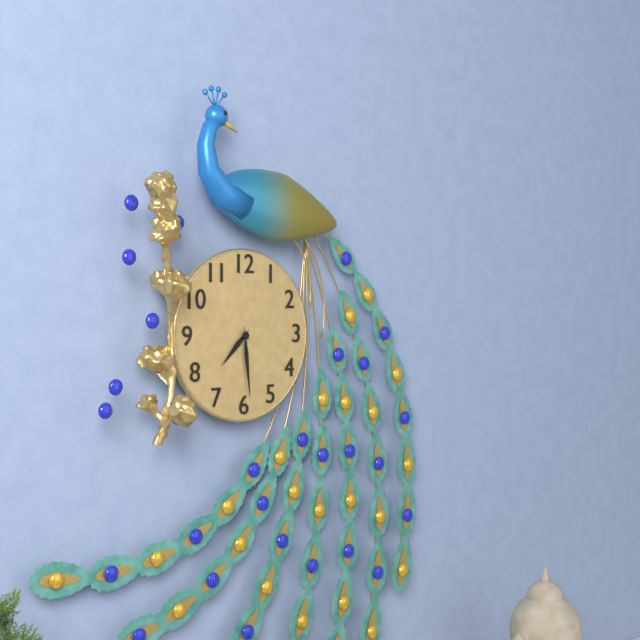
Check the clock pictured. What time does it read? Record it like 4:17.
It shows 7:29
